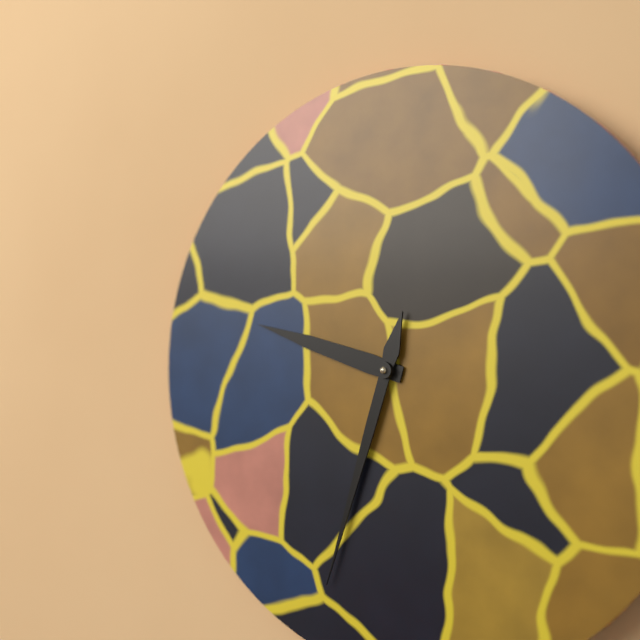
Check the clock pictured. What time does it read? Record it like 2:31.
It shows 9:33
